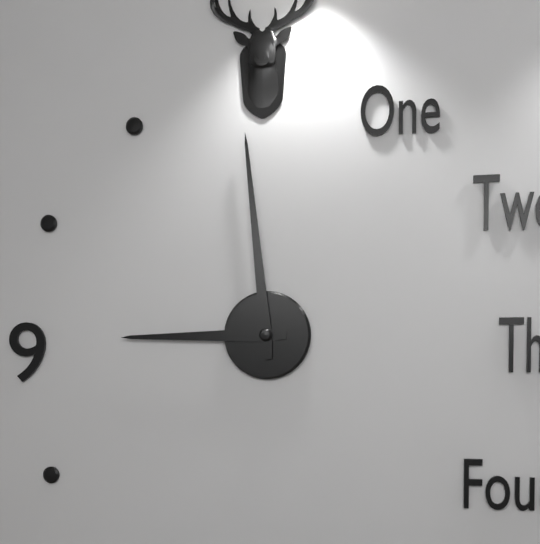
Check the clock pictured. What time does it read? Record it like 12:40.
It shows 8:59
